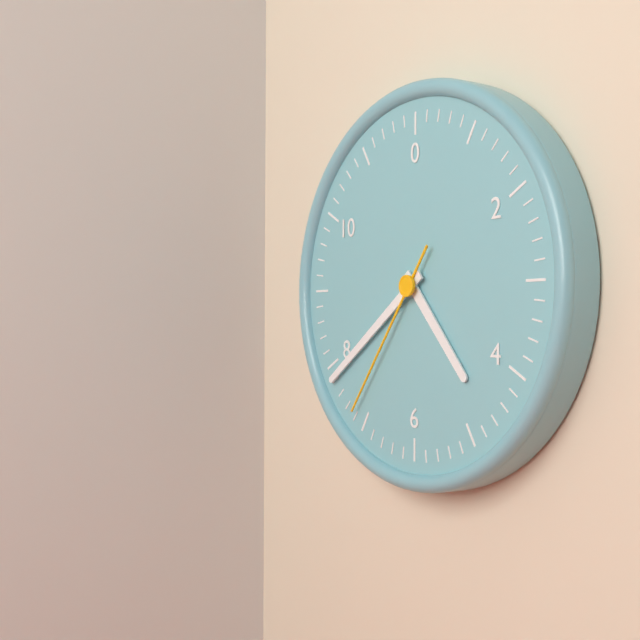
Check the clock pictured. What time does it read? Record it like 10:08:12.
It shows 4:39:36
